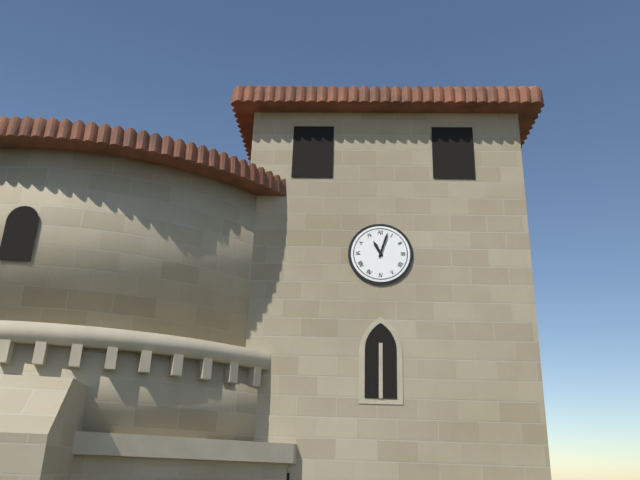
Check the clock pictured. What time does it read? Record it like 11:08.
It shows 11:03
